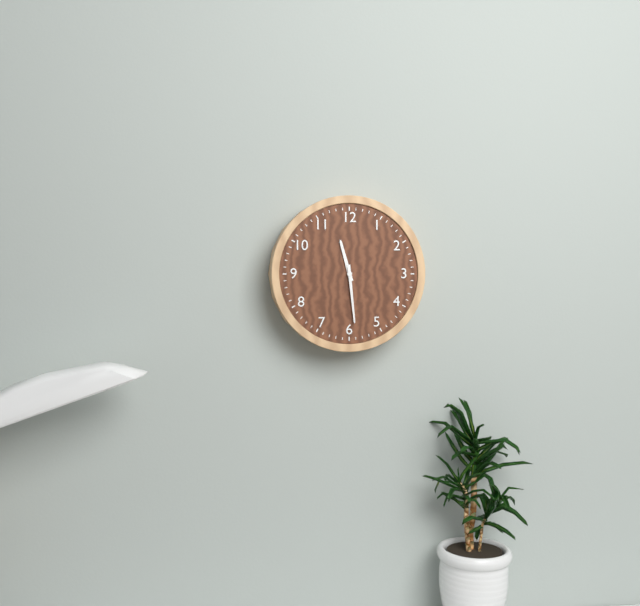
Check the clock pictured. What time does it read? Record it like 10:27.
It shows 11:29
